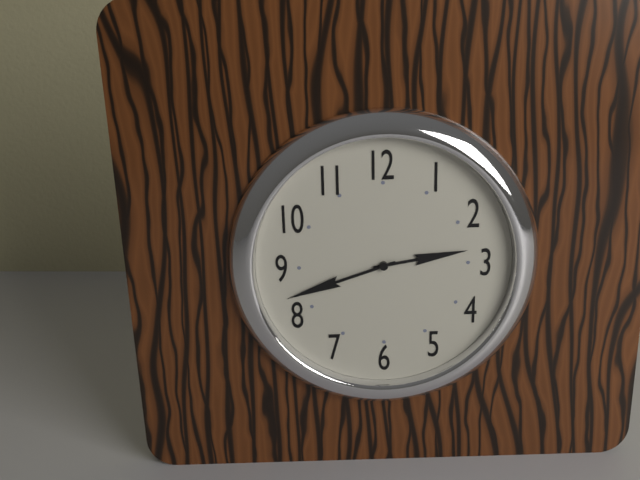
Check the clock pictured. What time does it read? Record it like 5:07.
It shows 2:42
